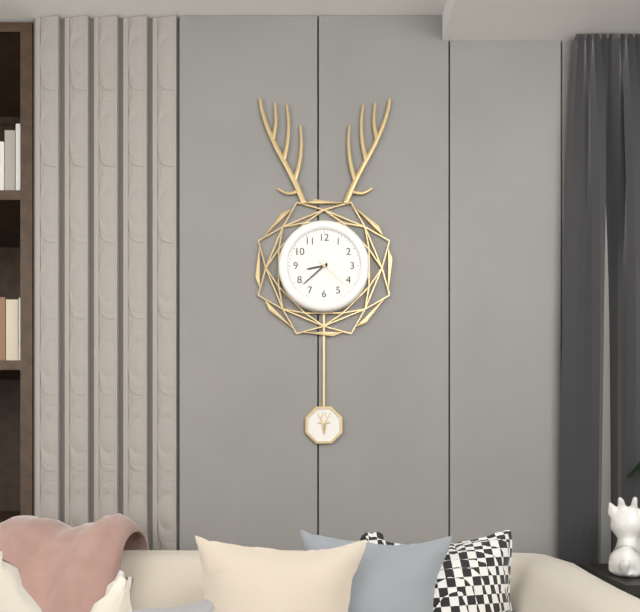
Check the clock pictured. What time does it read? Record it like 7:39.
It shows 8:38
